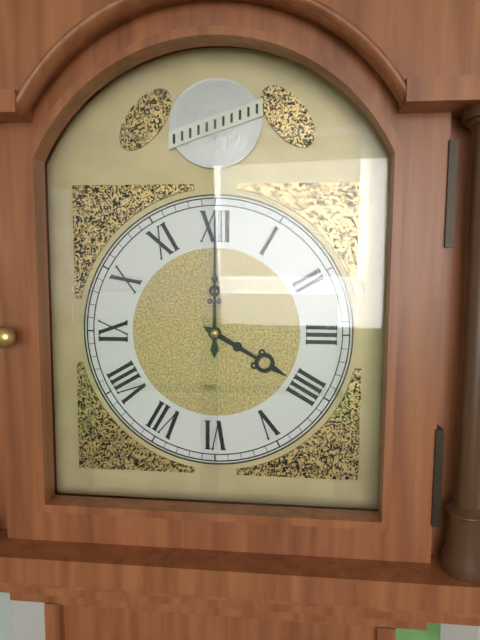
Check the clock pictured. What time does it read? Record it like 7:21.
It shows 4:00
